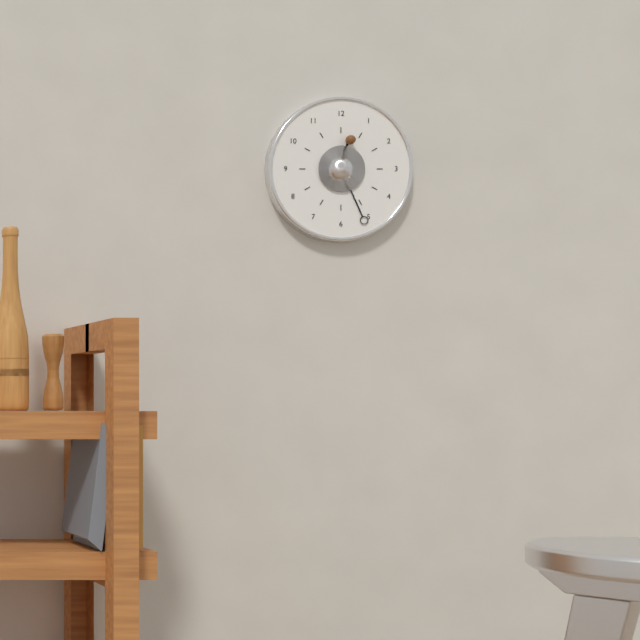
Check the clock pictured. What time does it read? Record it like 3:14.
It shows 12:26
